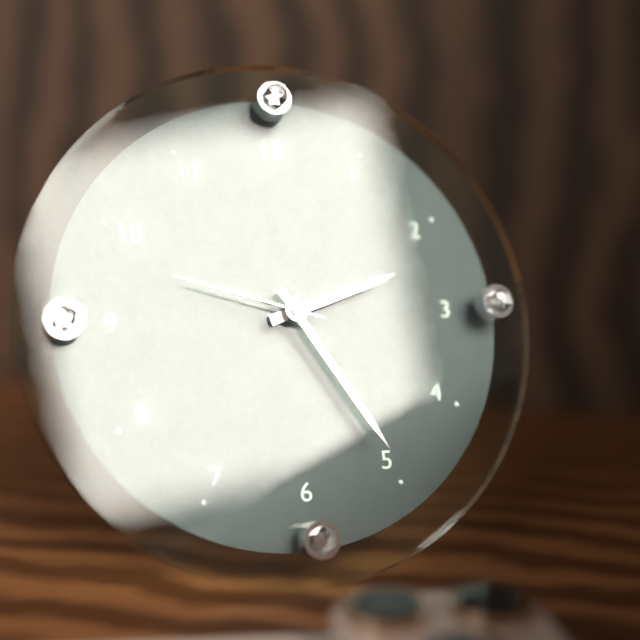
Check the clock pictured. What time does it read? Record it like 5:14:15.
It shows 2:25:48
